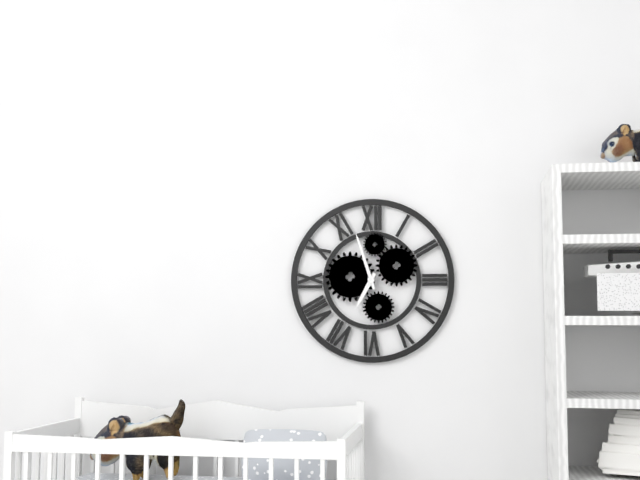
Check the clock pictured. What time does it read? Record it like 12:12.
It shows 6:57
